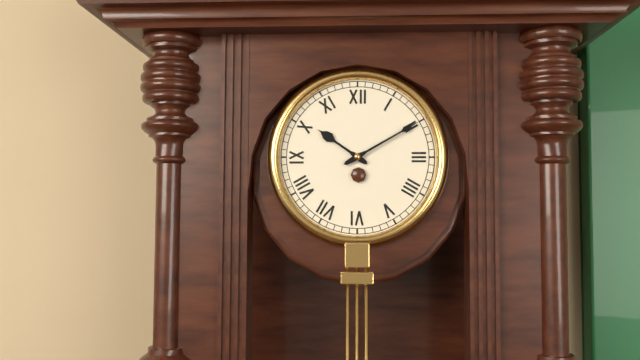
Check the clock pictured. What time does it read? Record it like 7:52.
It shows 10:10
